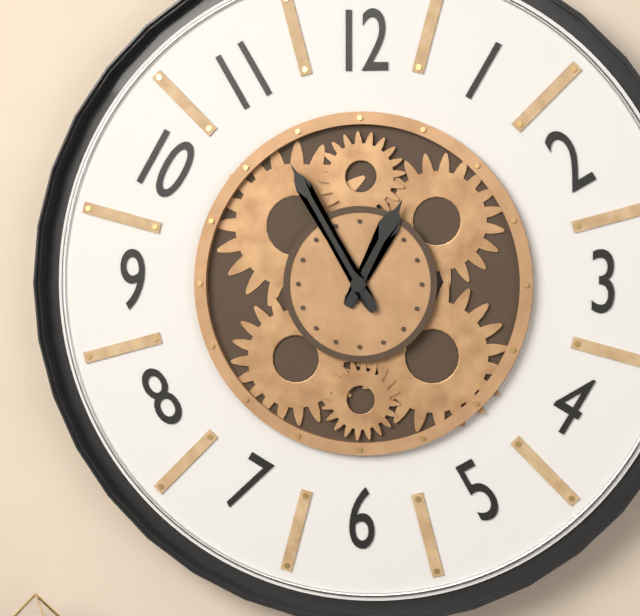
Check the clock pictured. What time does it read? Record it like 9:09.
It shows 12:55
